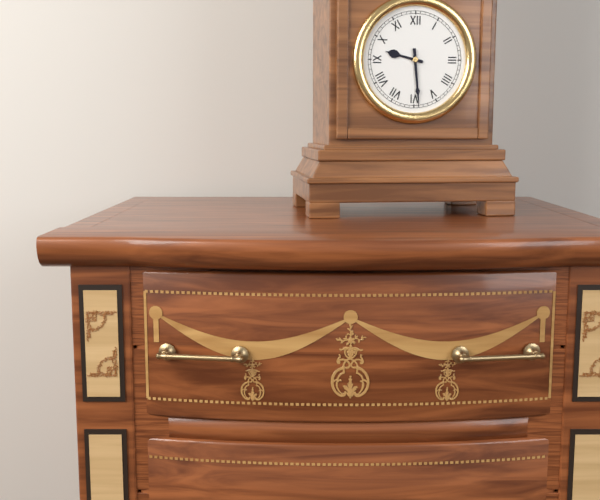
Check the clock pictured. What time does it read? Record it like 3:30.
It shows 9:29
